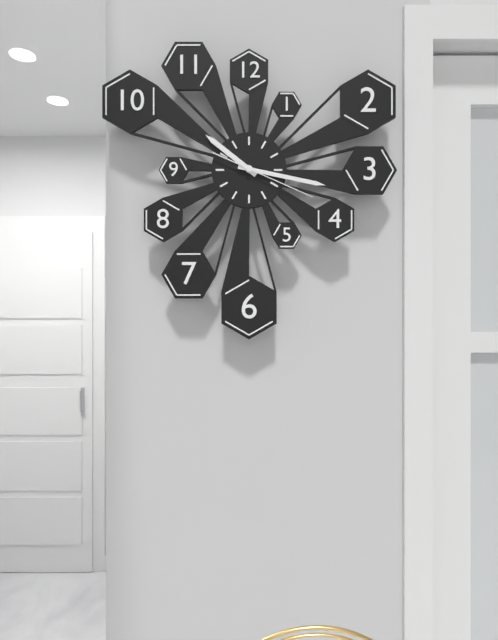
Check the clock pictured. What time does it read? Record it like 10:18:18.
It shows 10:17:19
